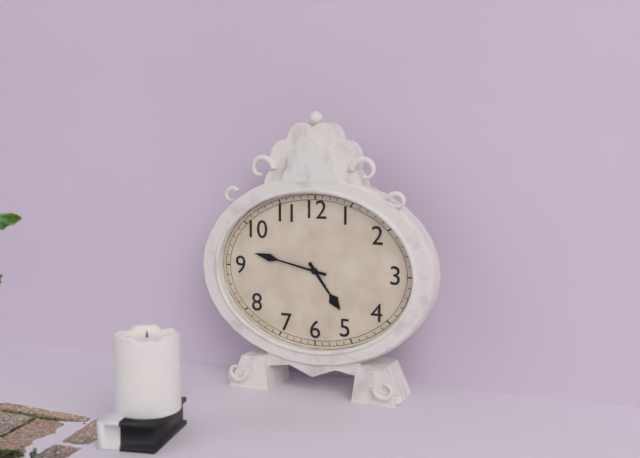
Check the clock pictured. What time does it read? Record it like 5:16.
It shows 4:47
